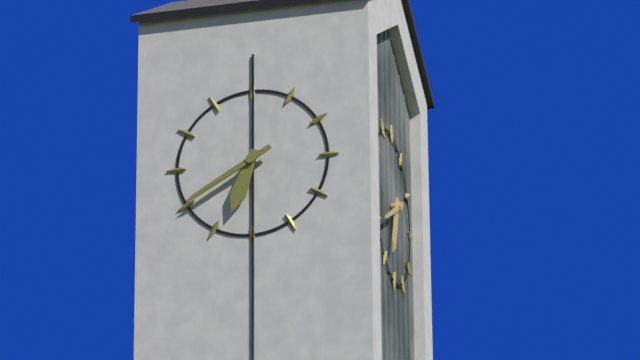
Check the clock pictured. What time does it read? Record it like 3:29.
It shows 6:40
